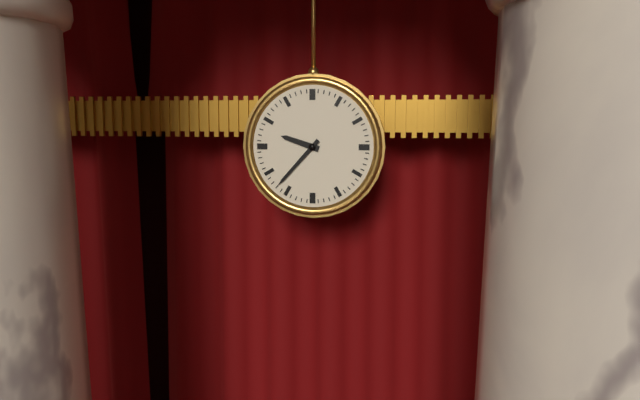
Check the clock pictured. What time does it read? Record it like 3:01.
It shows 9:37
